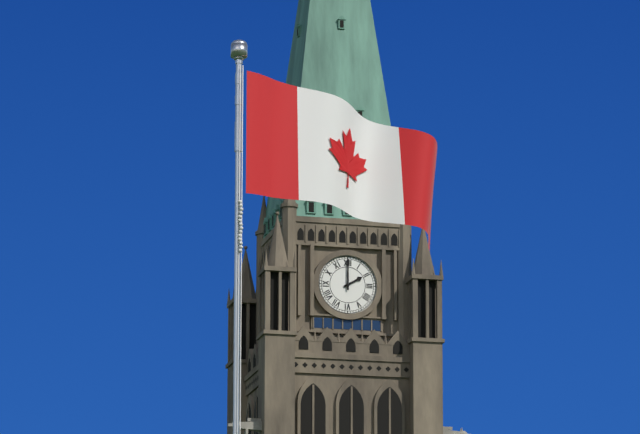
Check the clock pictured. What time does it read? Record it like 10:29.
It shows 2:00
